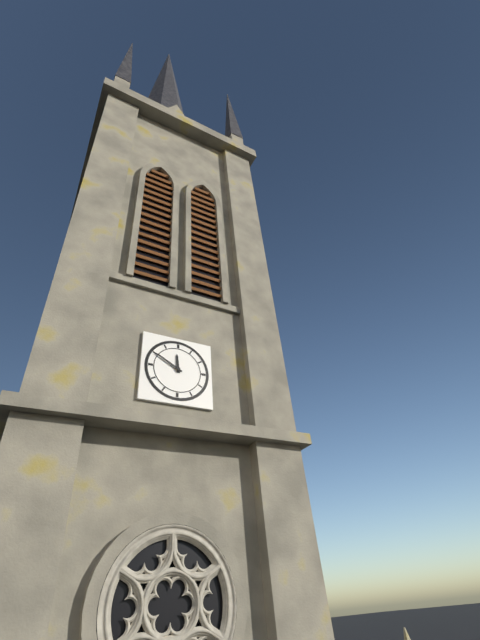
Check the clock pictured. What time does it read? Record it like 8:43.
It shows 11:50
